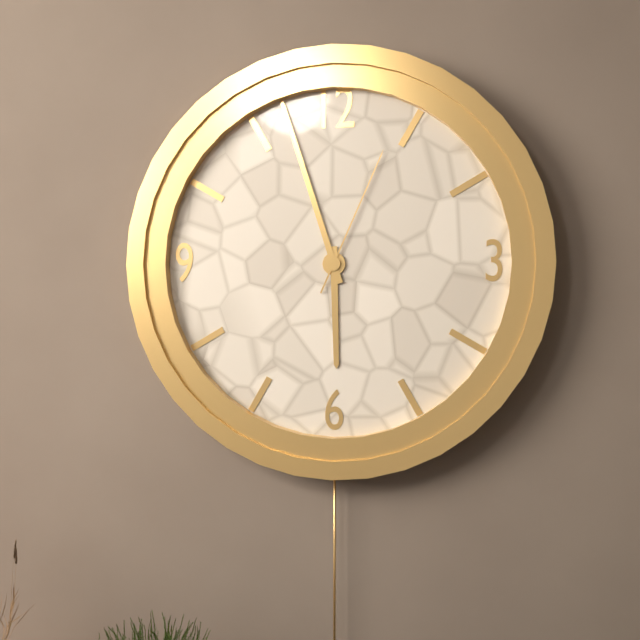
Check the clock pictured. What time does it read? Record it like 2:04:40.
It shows 5:57:04
